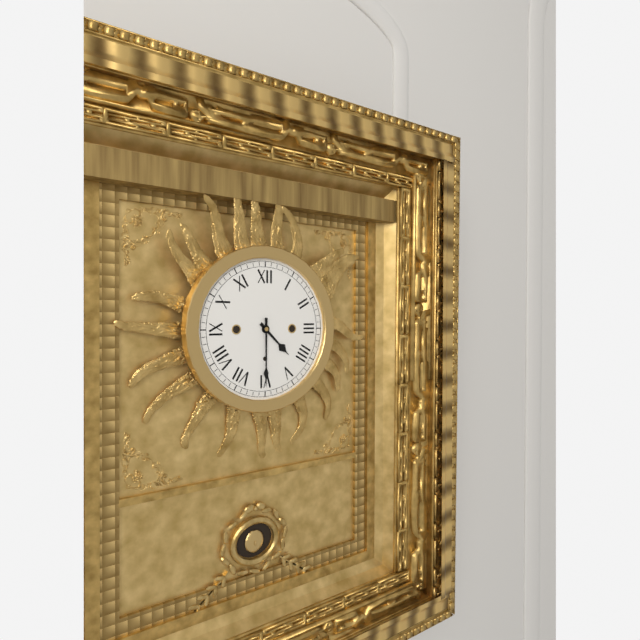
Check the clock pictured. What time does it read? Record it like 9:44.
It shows 4:30
